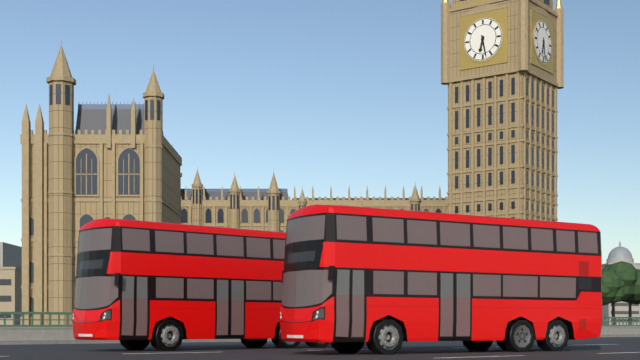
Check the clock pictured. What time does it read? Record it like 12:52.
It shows 6:28
